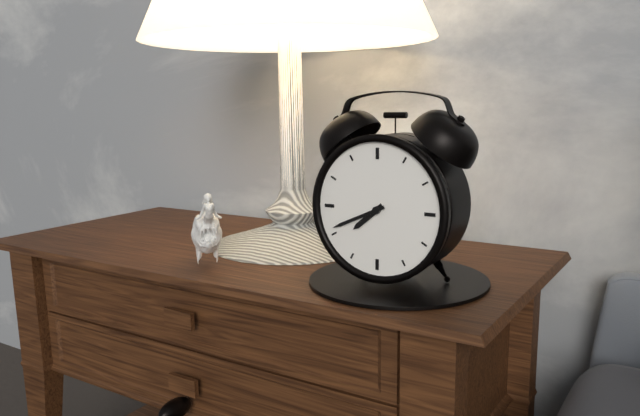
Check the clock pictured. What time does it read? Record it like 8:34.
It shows 7:41
